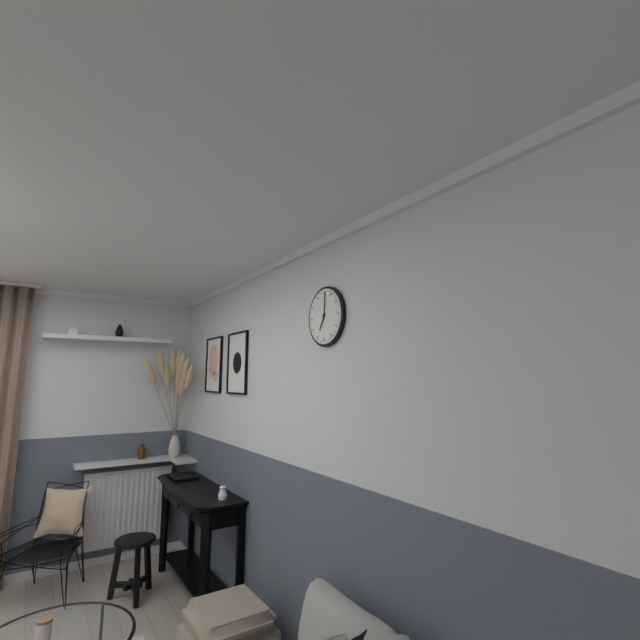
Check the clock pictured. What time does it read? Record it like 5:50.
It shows 7:01
